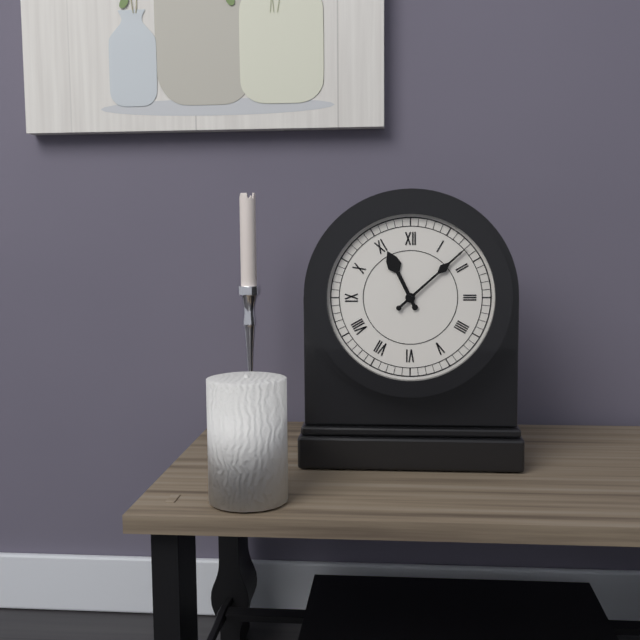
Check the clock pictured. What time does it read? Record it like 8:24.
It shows 11:08
